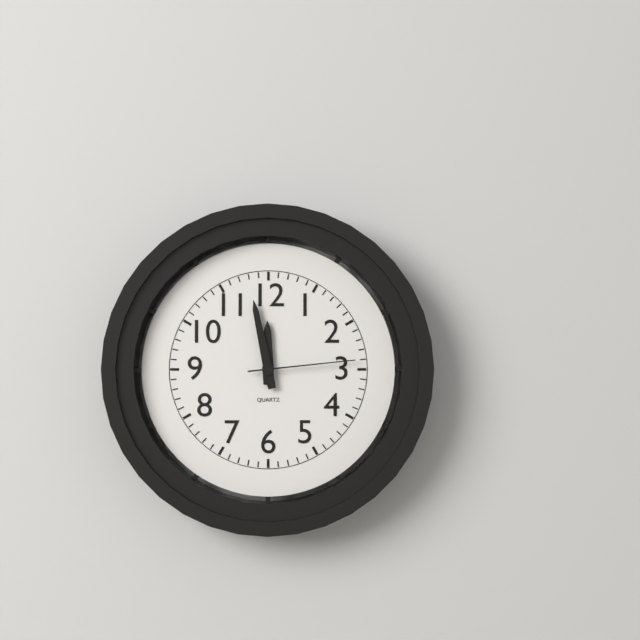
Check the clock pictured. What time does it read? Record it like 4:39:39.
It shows 11:58:14
